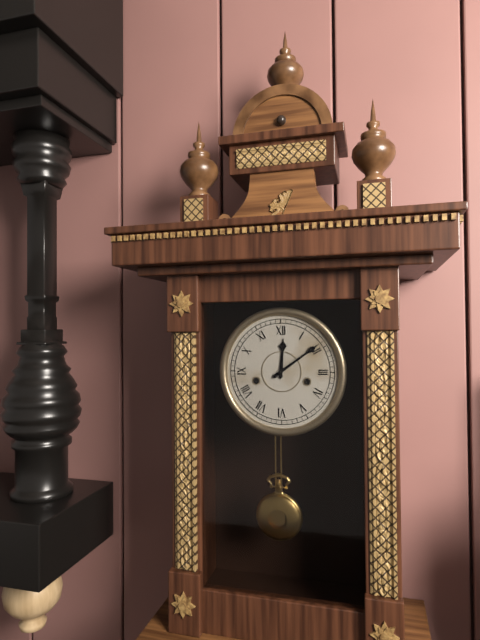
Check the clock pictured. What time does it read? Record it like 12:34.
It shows 12:09
